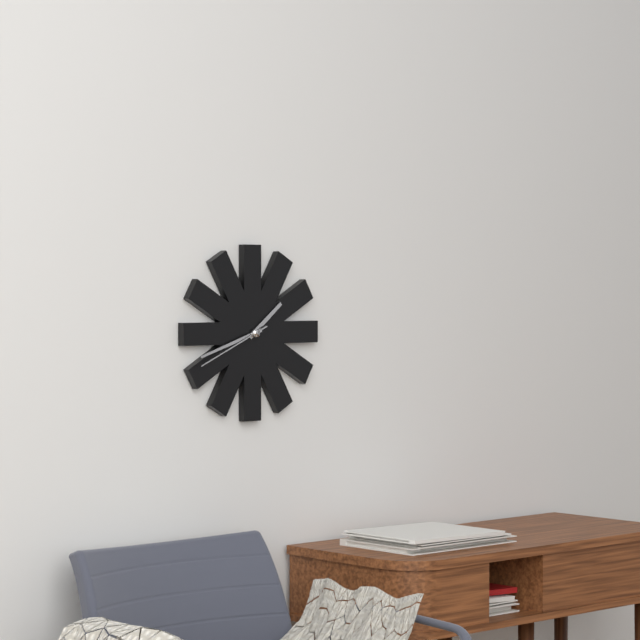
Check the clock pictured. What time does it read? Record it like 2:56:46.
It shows 1:42:41
